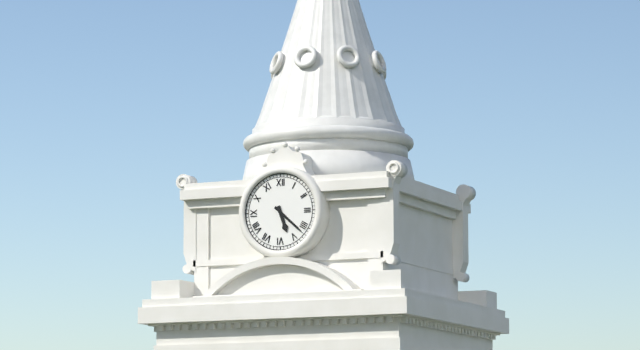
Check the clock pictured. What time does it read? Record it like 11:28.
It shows 5:22
